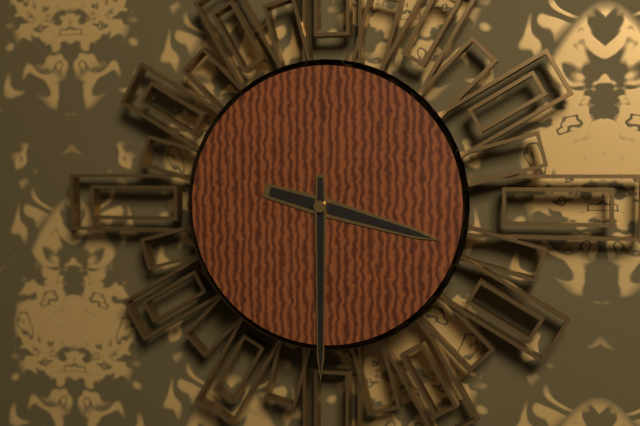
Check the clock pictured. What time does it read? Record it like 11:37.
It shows 3:30
